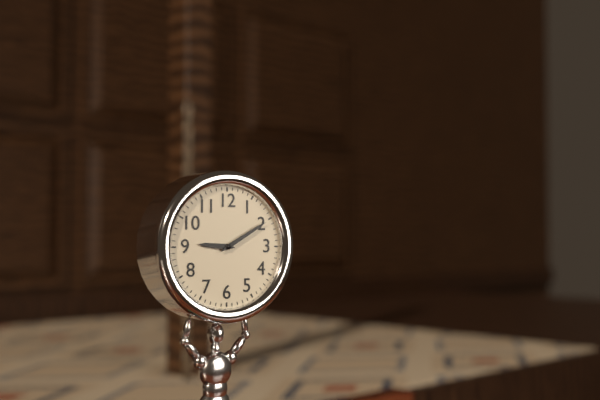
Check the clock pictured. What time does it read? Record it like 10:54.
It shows 9:10
